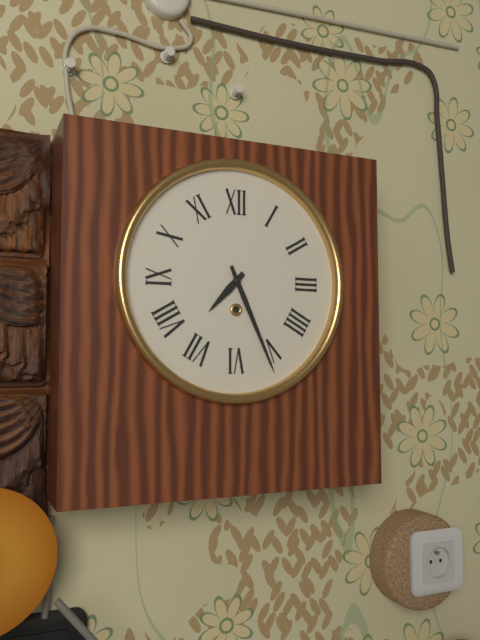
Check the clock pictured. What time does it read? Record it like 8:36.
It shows 7:26
